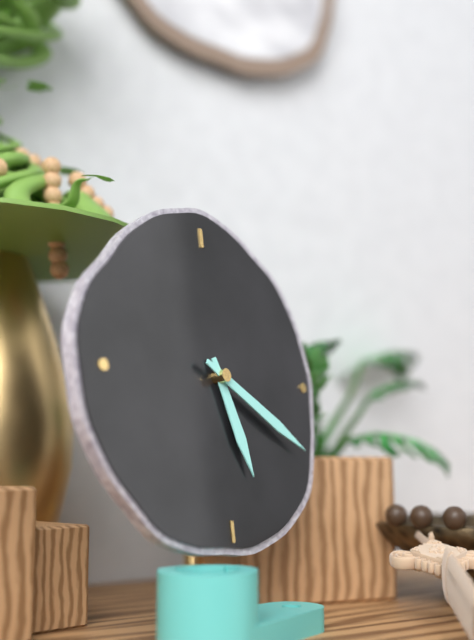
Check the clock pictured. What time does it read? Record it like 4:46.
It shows 5:20
